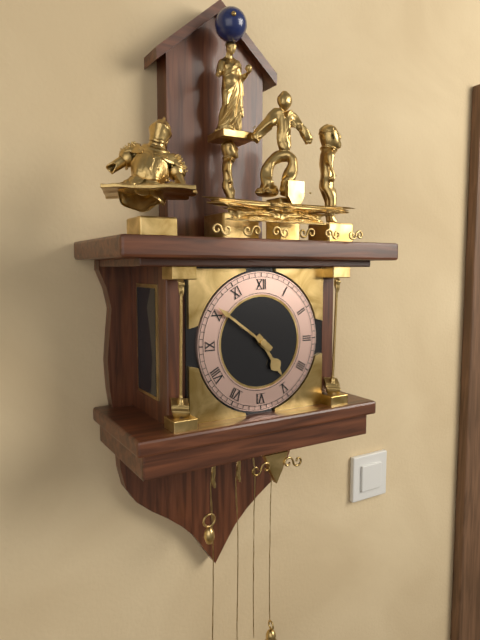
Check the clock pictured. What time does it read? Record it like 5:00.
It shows 4:51
